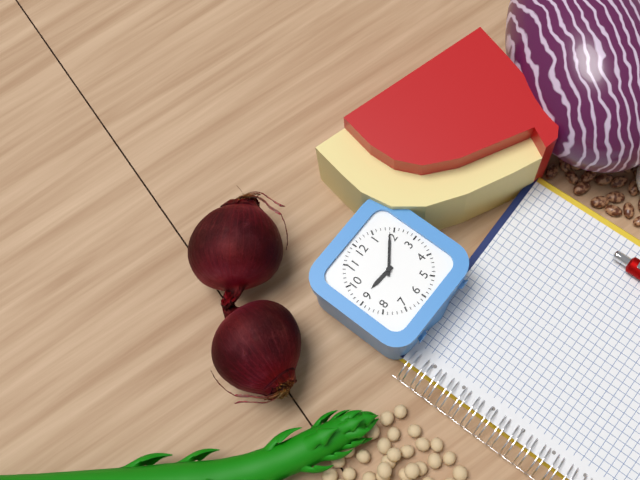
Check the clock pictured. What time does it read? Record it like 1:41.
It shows 9:09
